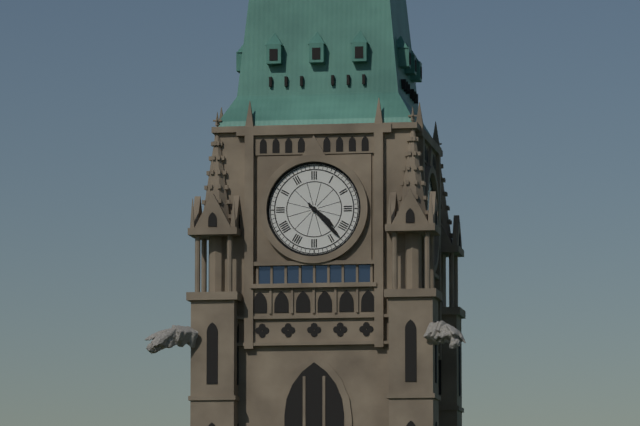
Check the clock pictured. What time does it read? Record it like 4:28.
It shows 4:23
